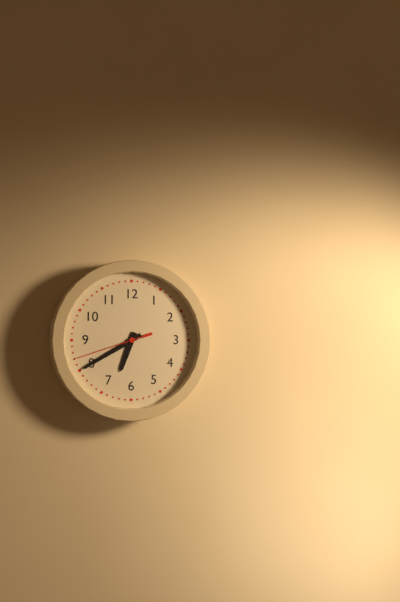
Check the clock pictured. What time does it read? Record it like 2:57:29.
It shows 6:40:42
